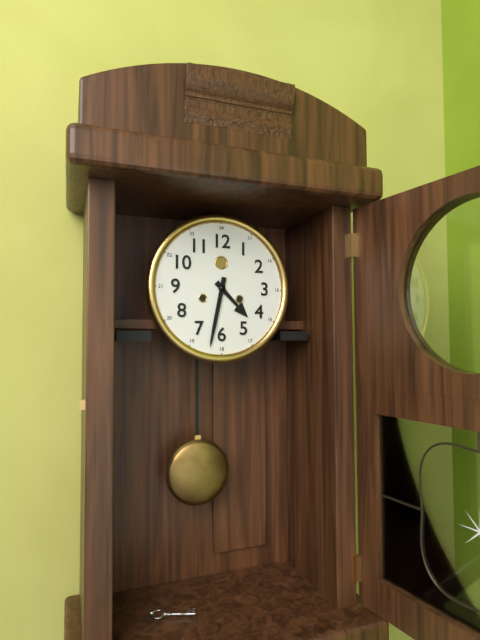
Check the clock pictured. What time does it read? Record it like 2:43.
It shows 4:32
